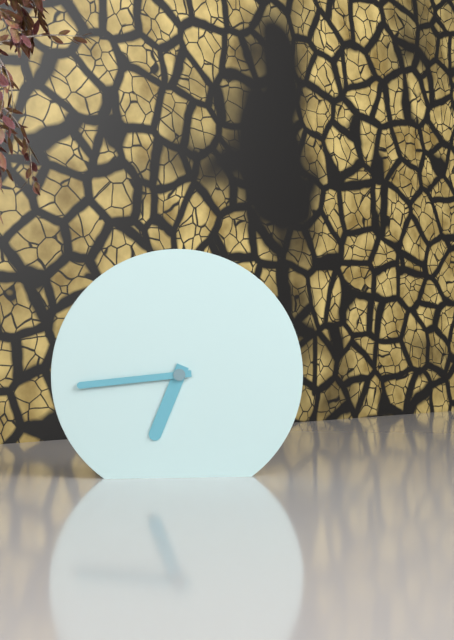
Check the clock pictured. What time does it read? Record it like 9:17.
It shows 6:44
